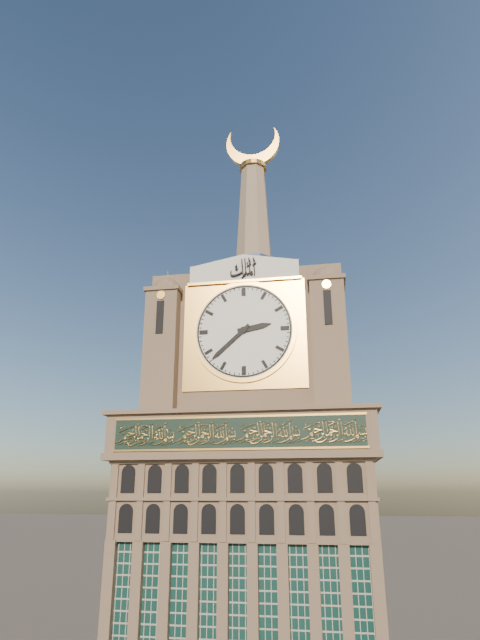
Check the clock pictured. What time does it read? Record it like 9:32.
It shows 2:38
